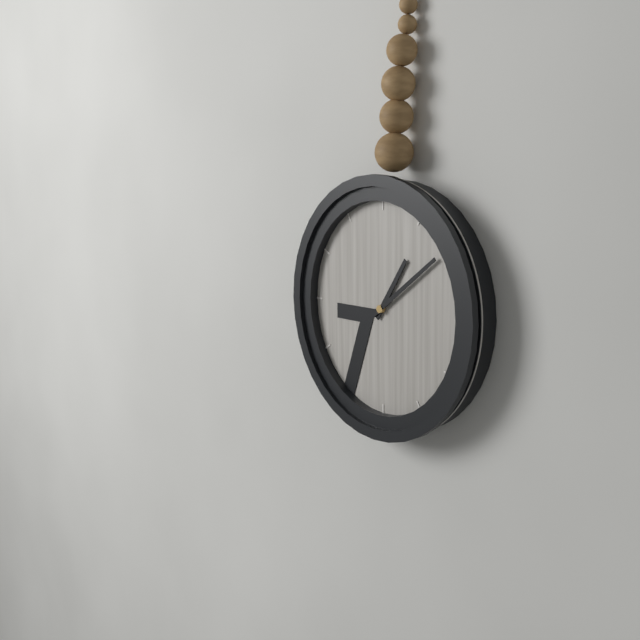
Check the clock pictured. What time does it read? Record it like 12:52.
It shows 1:09
